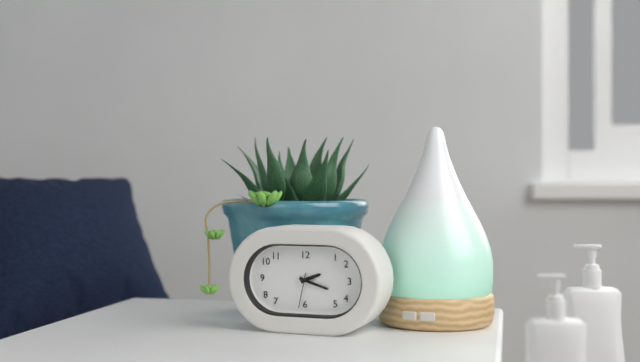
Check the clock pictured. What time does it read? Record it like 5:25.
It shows 2:18
